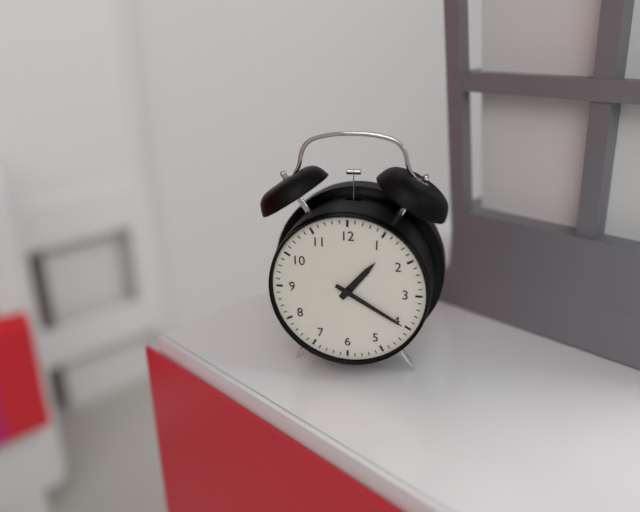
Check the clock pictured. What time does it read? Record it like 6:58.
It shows 1:20
